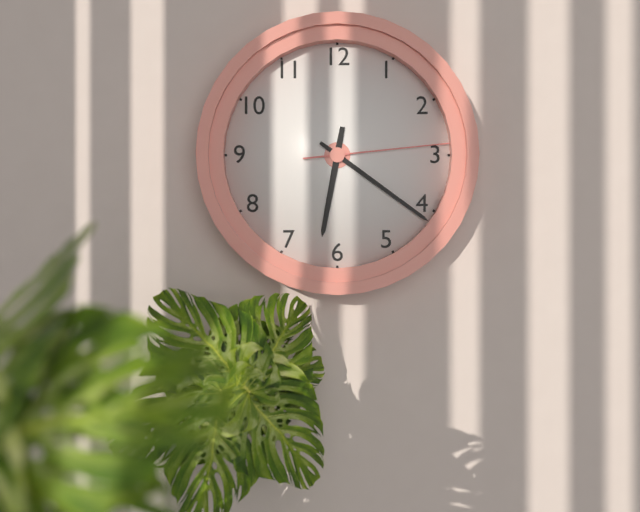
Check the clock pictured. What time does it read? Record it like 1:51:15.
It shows 6:21:14
